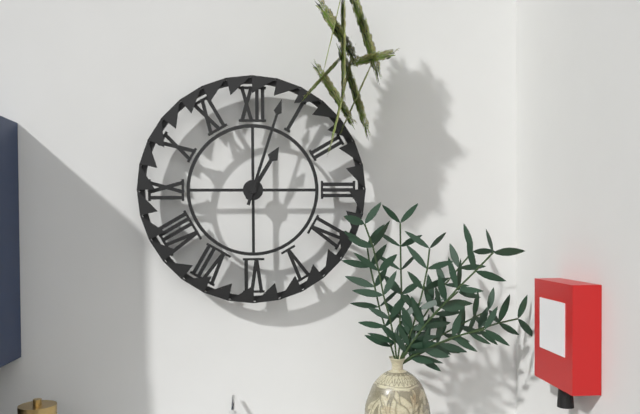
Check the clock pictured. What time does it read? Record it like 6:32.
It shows 1:03
